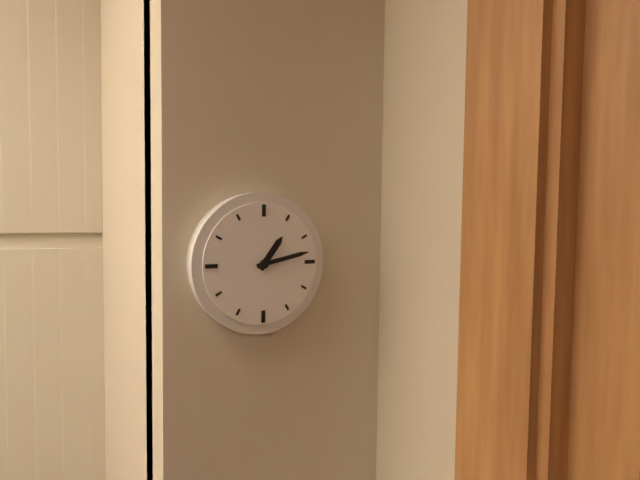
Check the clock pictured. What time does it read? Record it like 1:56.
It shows 1:13
